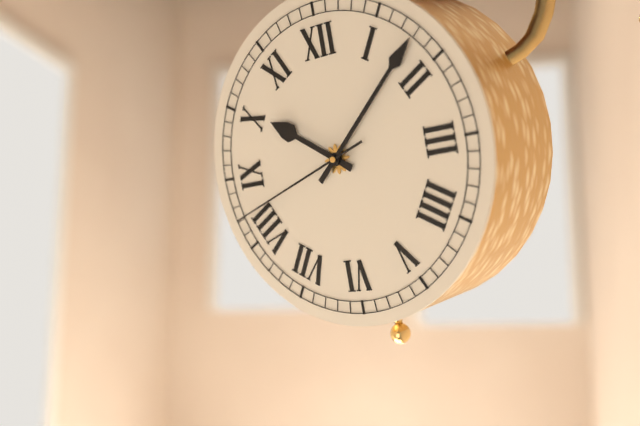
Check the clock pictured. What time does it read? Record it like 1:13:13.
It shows 10:08:42
